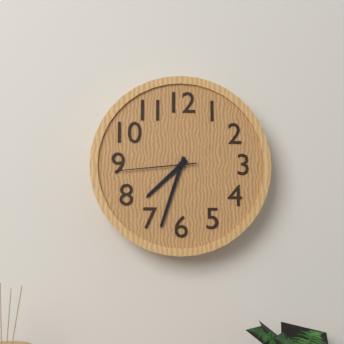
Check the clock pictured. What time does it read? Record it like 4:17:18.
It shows 7:33:44
